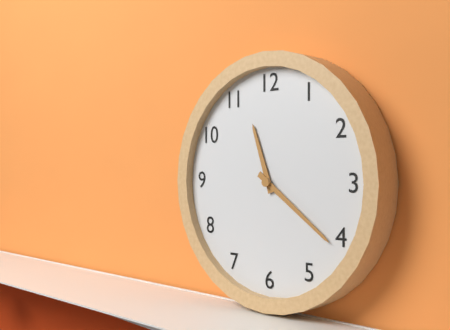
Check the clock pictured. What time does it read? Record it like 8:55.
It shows 11:21
